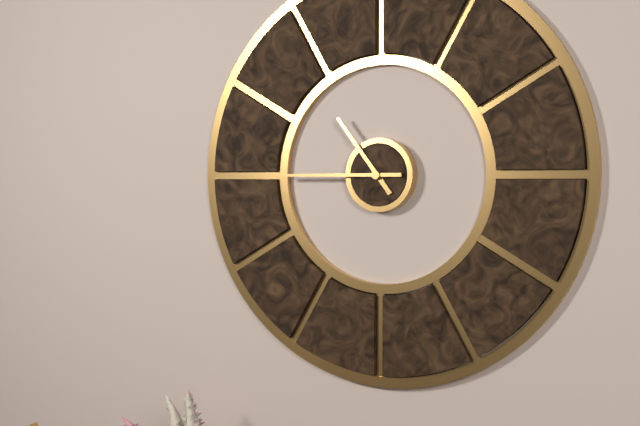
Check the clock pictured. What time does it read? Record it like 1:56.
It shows 10:45
